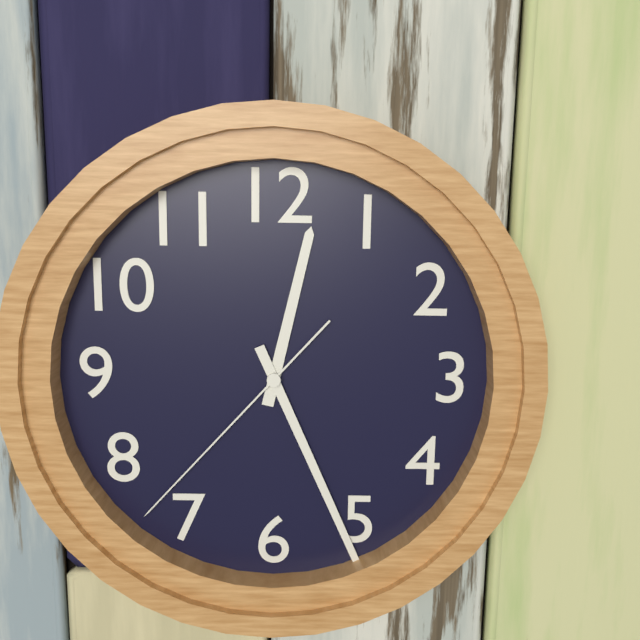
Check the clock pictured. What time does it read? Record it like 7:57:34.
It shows 12:26:37
